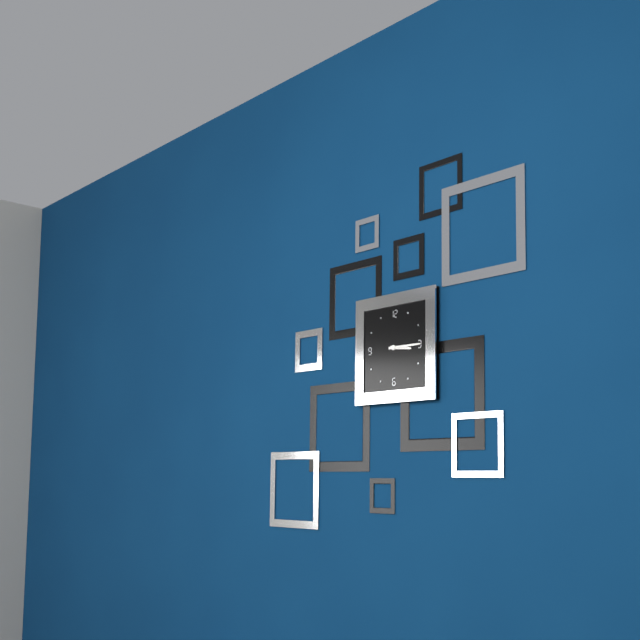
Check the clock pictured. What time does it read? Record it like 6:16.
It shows 3:15
